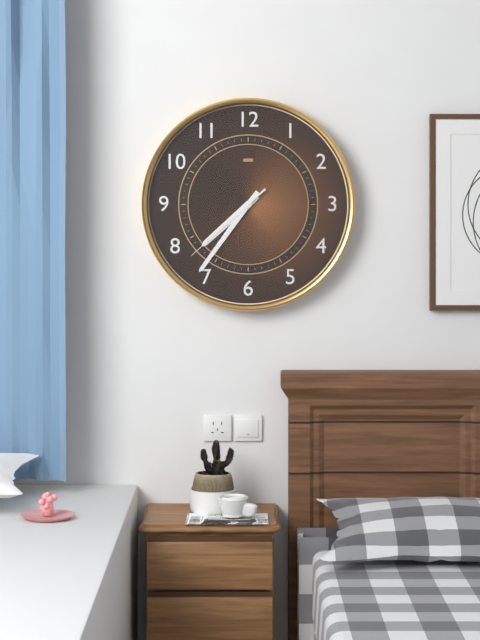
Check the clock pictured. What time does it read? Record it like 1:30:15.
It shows 7:36:38
